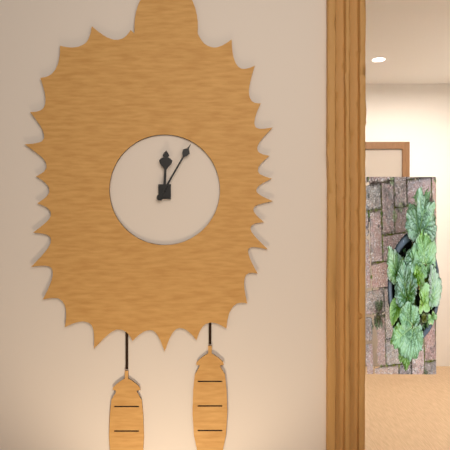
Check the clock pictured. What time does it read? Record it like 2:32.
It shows 12:05
